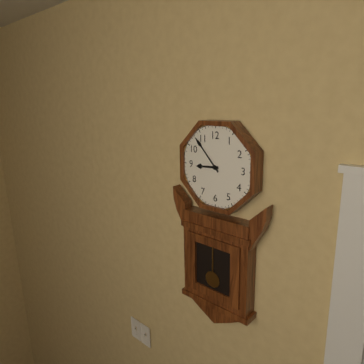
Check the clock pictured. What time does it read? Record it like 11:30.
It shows 8:53
